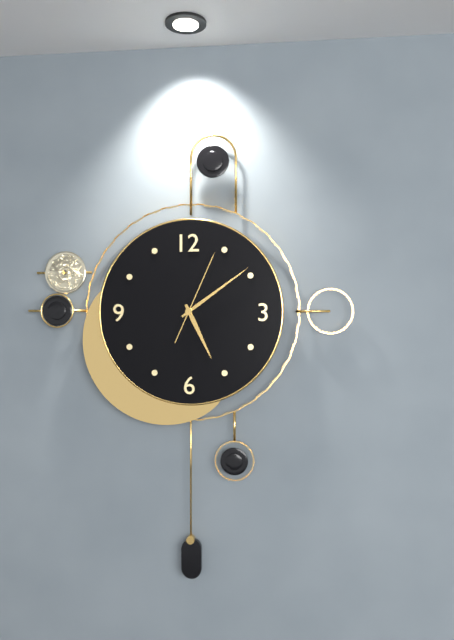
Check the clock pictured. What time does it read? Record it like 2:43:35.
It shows 5:09:04
